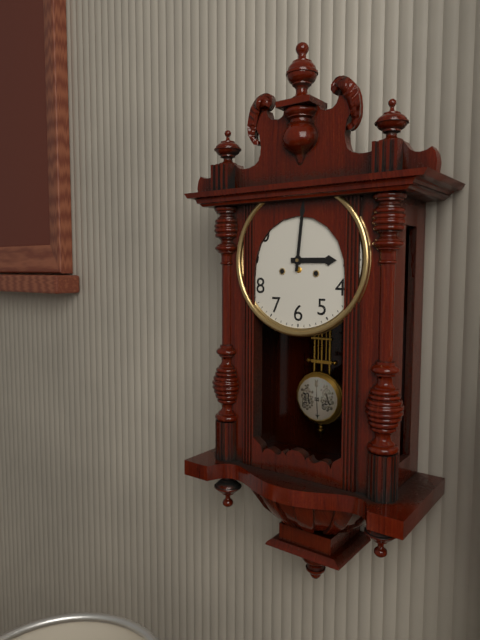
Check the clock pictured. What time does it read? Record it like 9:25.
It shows 3:01
